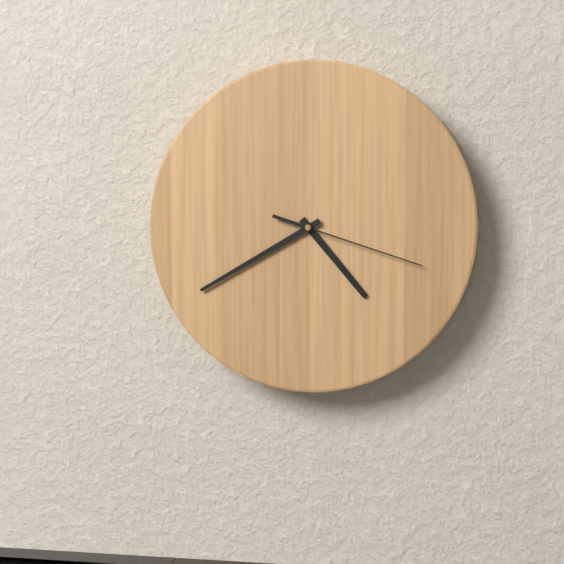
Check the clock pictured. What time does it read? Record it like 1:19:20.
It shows 4:40:18
